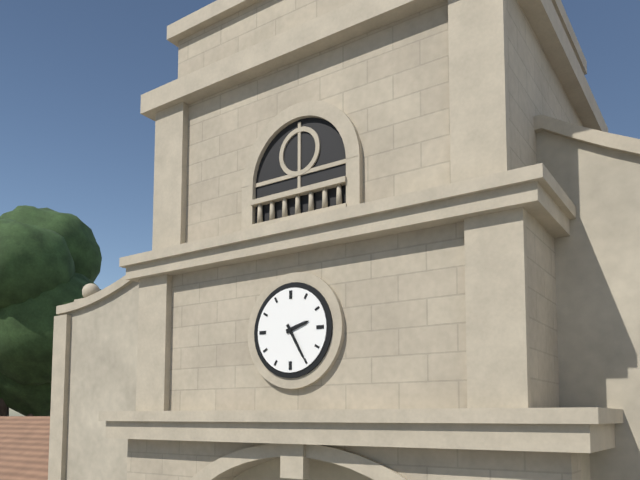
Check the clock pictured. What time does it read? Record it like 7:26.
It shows 2:25
